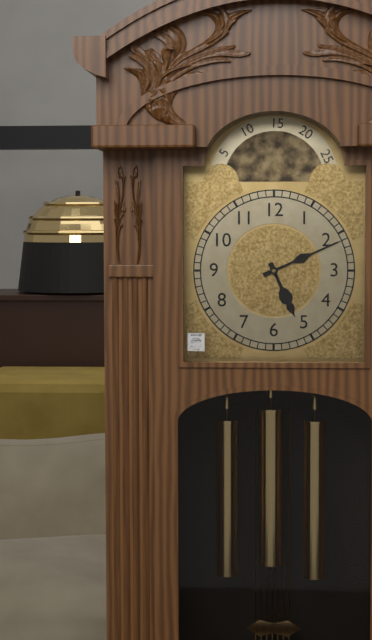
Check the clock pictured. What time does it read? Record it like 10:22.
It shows 5:11
